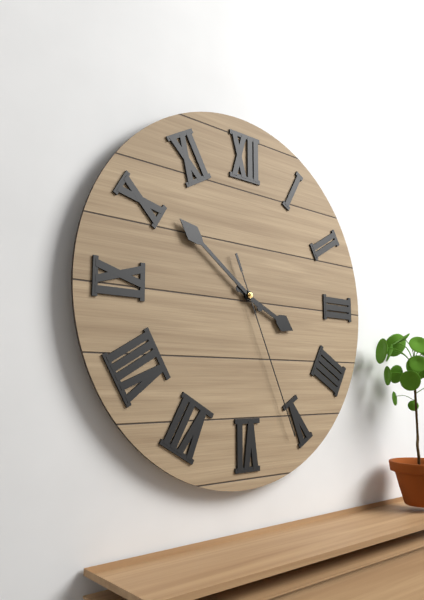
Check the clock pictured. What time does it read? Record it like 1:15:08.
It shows 3:51:26
